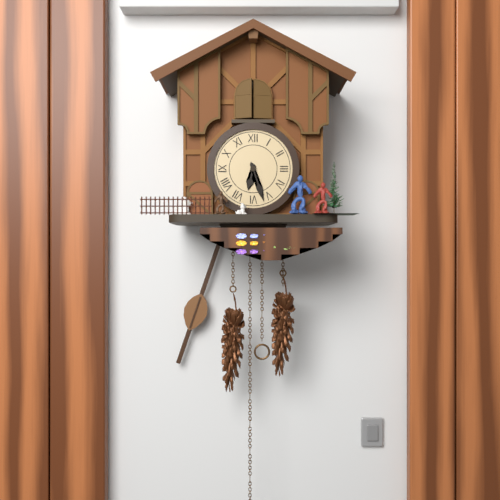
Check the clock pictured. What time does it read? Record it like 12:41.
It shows 6:27
